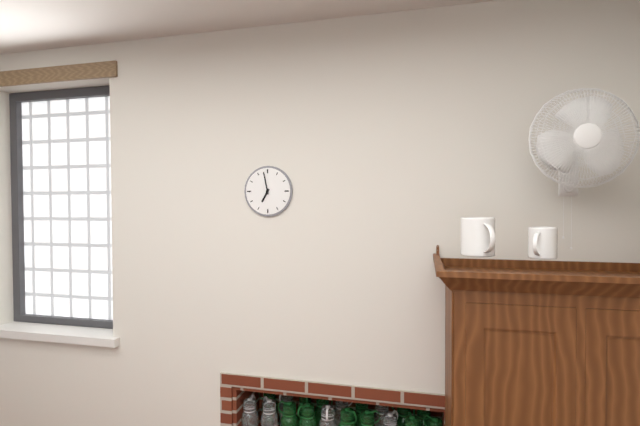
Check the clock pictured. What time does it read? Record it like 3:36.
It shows 6:58
